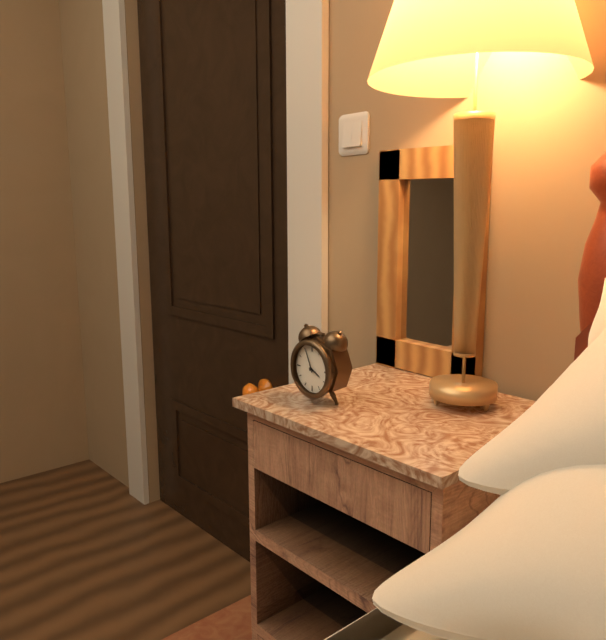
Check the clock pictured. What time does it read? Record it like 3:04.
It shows 3:56
